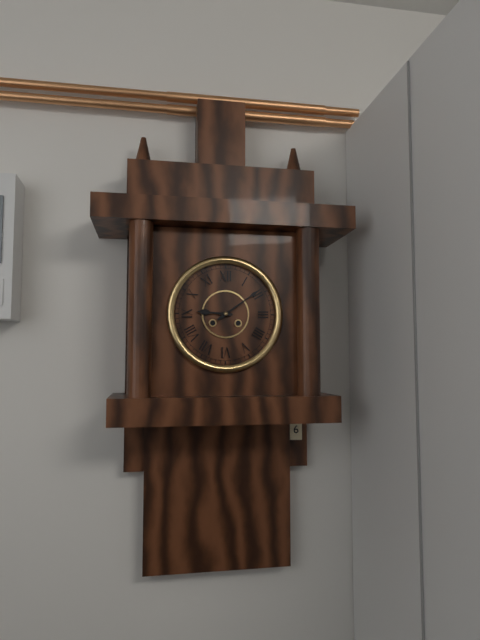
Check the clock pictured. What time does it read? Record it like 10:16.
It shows 9:09
